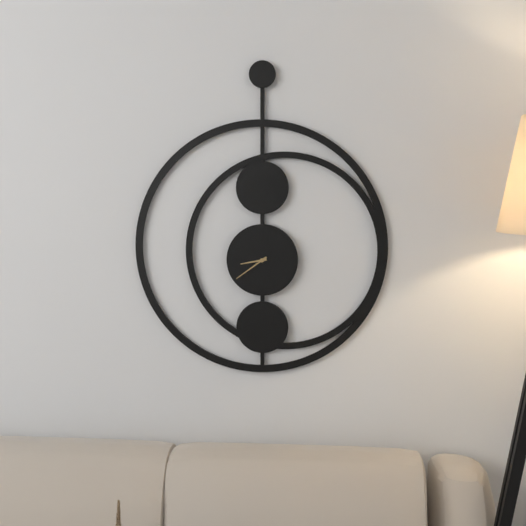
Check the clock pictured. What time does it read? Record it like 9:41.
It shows 8:39
